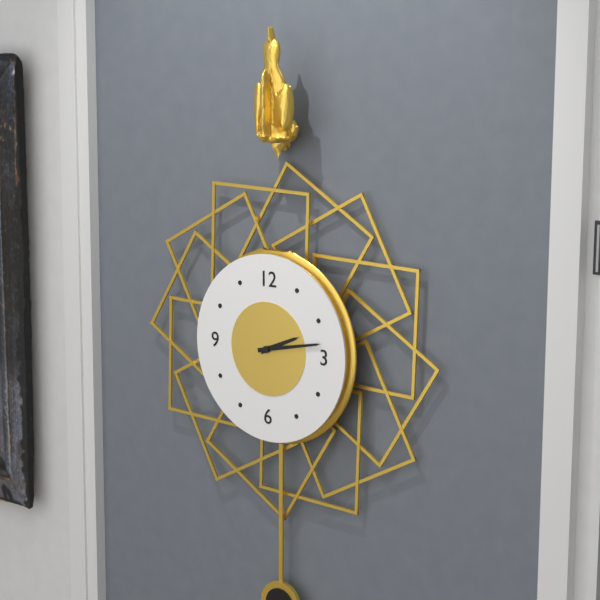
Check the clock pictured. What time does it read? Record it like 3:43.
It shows 2:13
